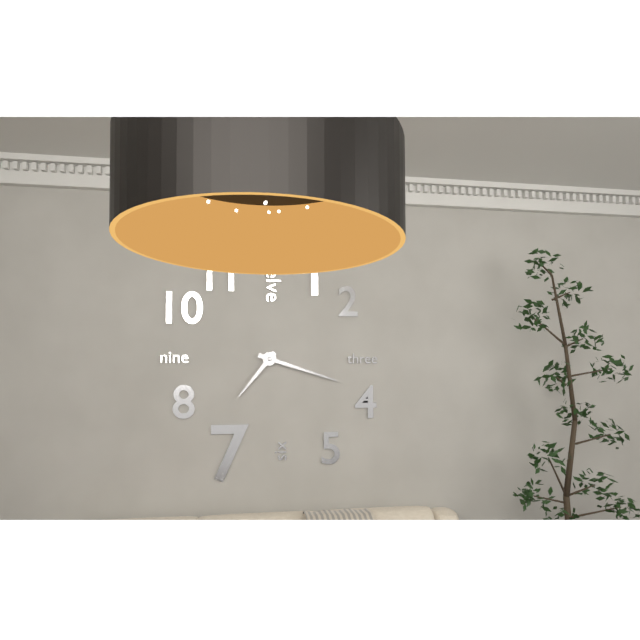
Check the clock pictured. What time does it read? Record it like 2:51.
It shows 7:18
